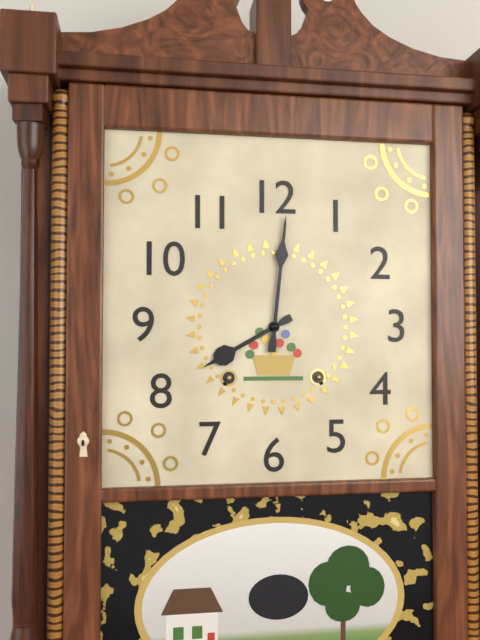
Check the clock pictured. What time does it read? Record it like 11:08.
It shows 8:01
